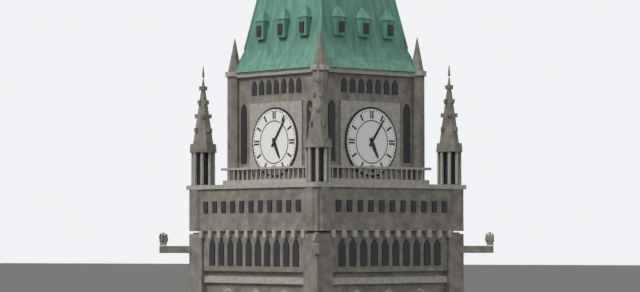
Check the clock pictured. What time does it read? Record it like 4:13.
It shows 5:06
